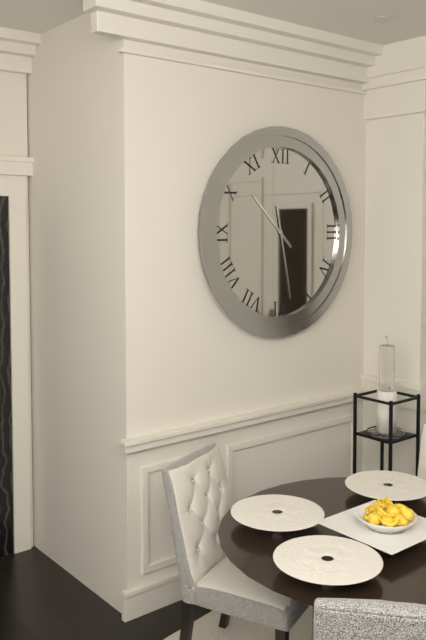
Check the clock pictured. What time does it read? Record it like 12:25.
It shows 10:28
